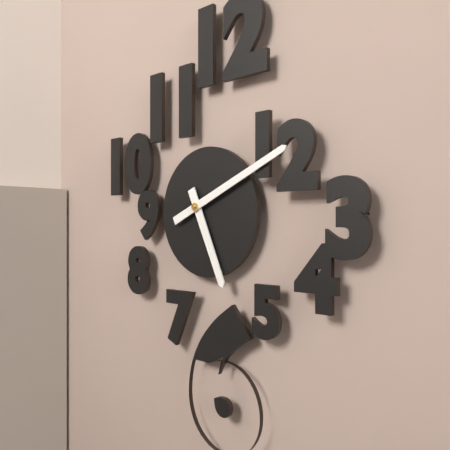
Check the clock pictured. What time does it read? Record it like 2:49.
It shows 5:11
